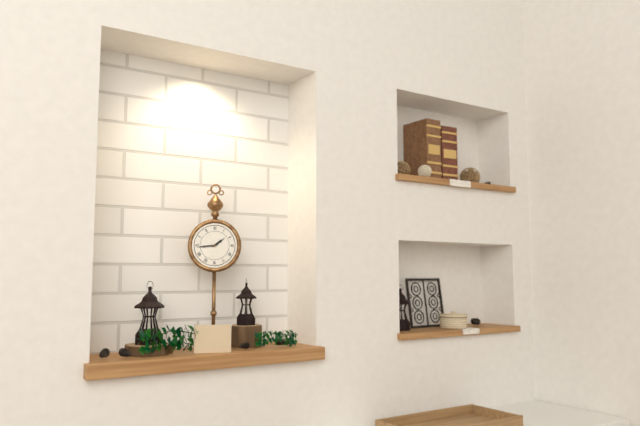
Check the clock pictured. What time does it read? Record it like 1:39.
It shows 1:44
